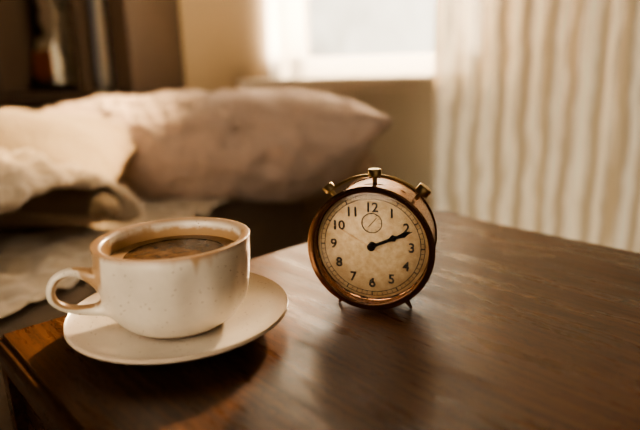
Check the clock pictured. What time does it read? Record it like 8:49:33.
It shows 2:11:50
